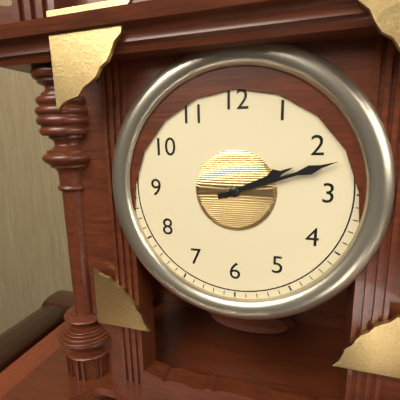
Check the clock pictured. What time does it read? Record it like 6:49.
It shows 2:12
